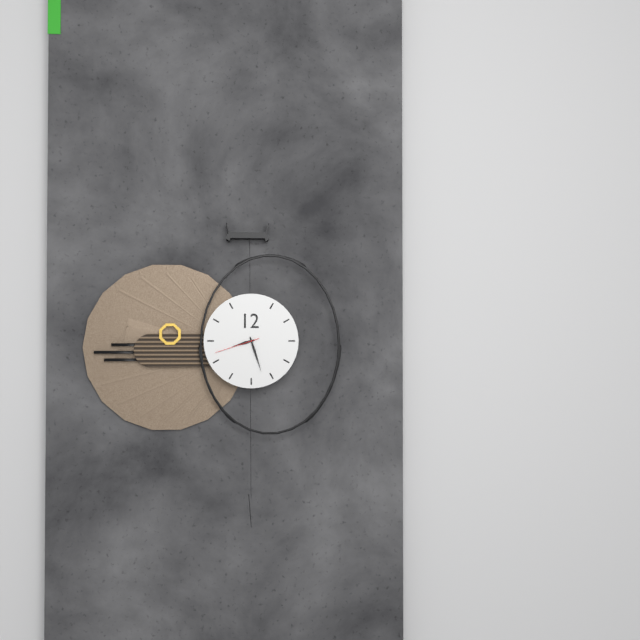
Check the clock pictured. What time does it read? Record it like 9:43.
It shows 8:27
